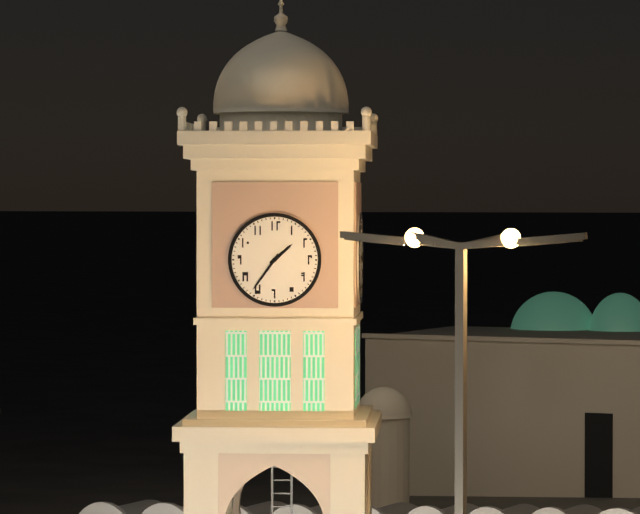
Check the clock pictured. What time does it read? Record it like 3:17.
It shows 1:36
